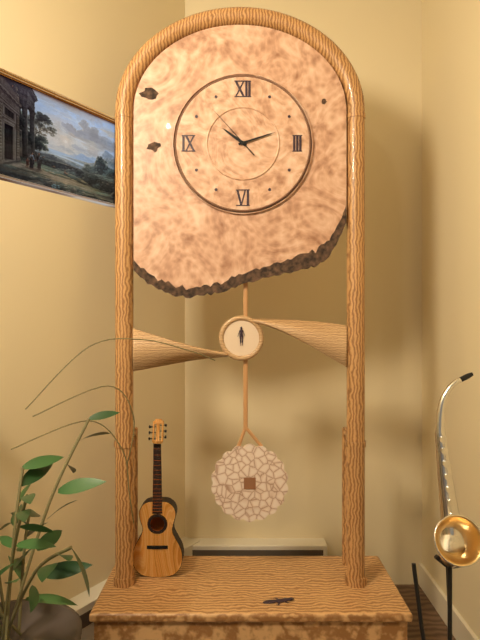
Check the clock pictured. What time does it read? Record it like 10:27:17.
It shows 10:12:53
